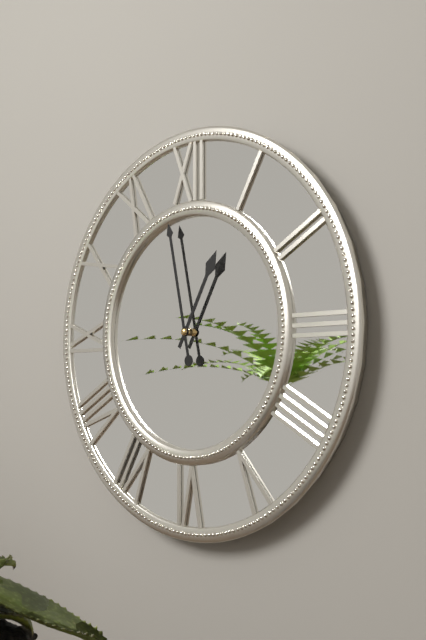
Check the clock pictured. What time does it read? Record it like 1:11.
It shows 12:58
